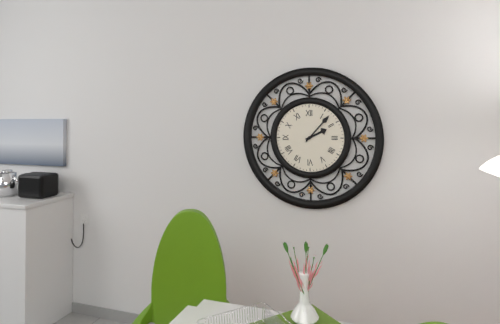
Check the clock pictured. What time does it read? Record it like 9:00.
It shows 2:07
